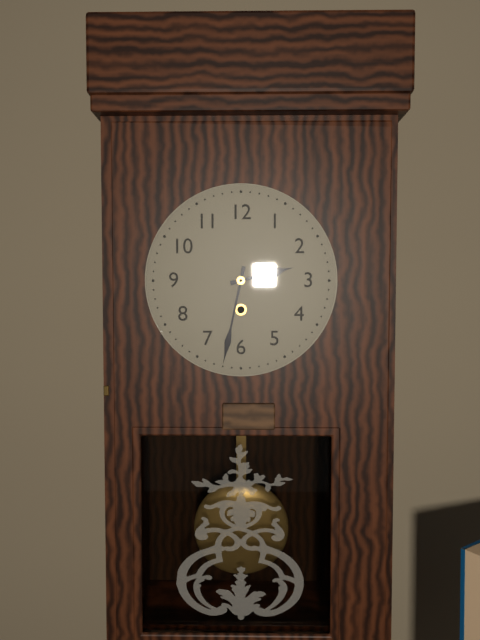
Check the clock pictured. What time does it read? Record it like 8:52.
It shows 2:32
